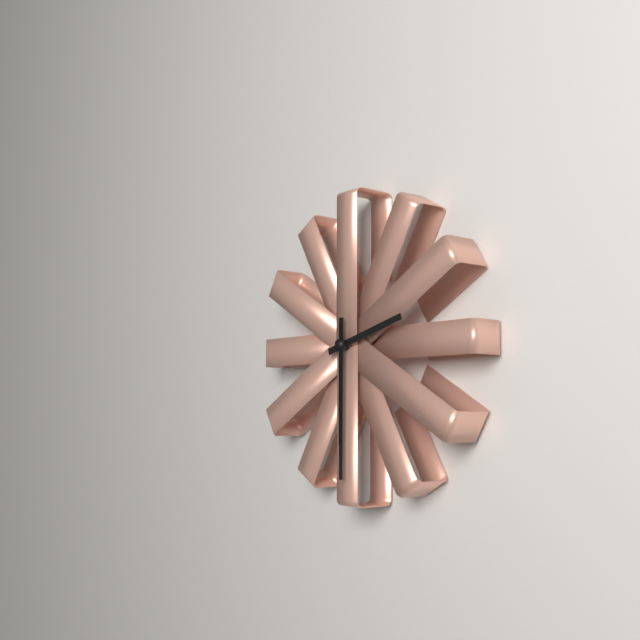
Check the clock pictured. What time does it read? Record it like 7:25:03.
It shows 2:30:30
